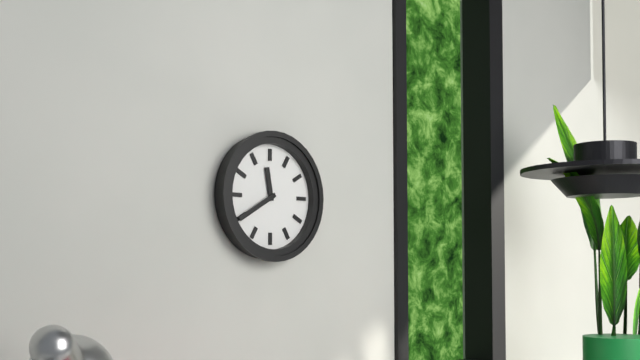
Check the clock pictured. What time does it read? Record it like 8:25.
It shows 11:40
